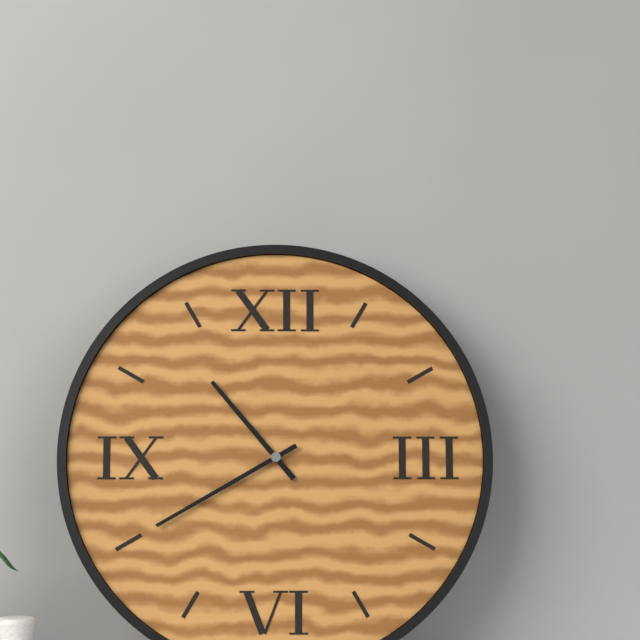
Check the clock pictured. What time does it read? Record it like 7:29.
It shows 10:40
